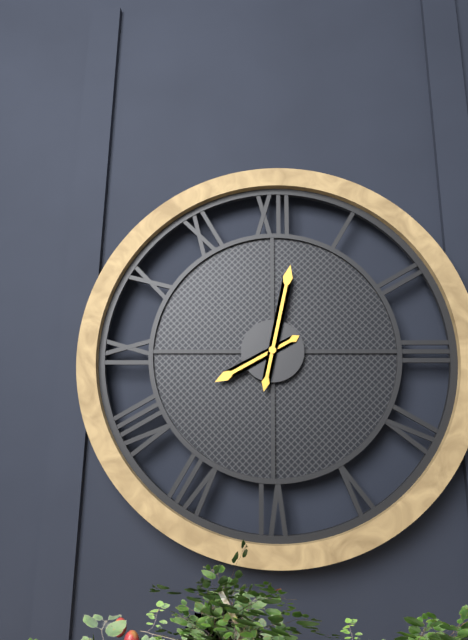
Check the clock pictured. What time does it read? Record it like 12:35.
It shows 8:02
